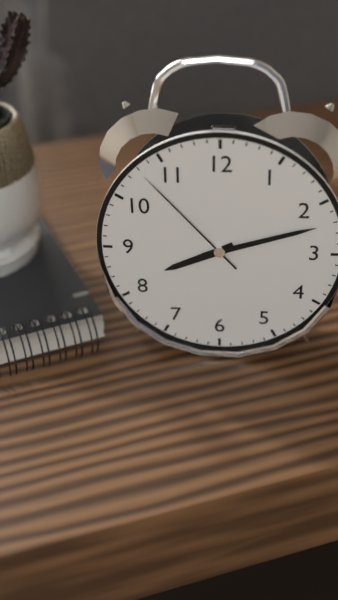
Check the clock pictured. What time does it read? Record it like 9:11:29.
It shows 8:12:53
